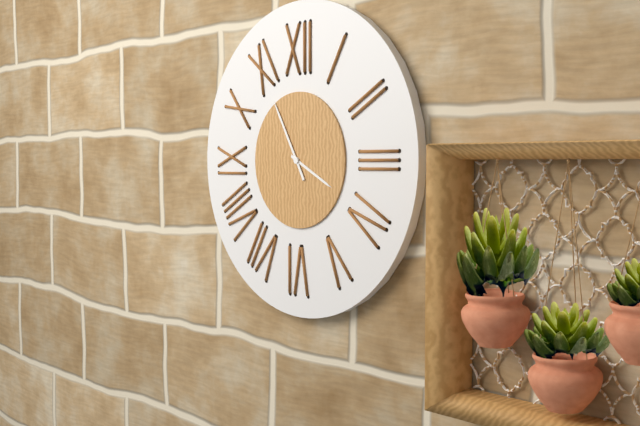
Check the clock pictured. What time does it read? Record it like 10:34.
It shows 3:55
